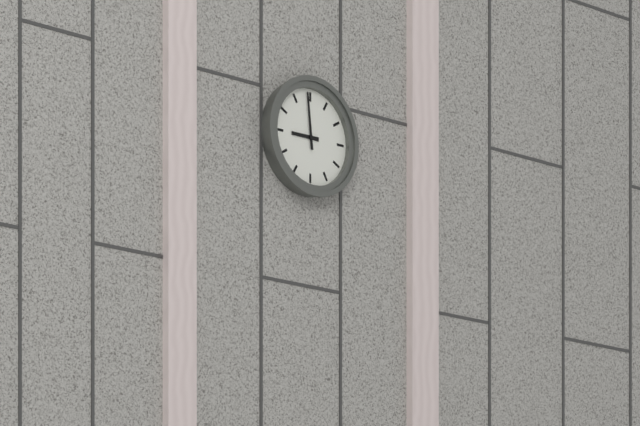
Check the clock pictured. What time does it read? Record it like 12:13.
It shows 8:59
